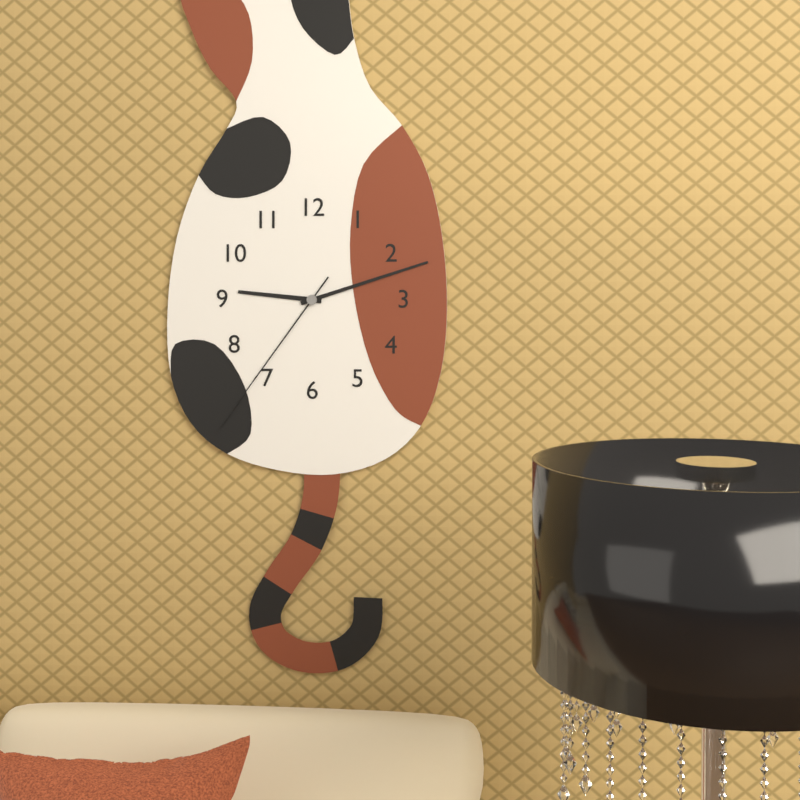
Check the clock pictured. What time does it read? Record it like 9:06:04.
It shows 9:12:36
